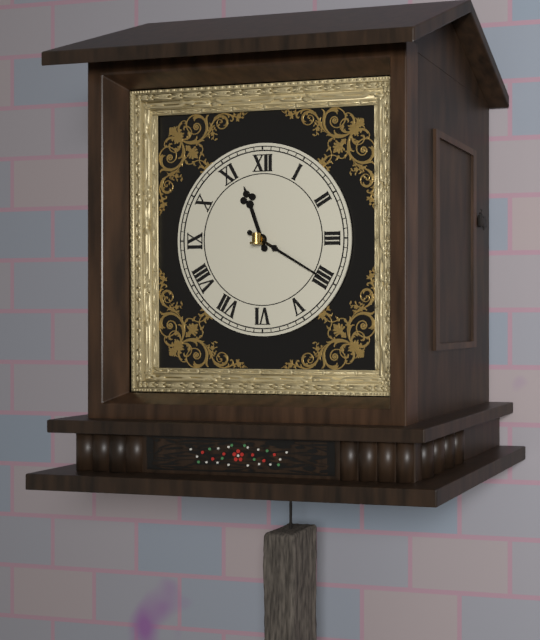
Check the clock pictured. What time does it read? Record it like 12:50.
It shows 11:20
